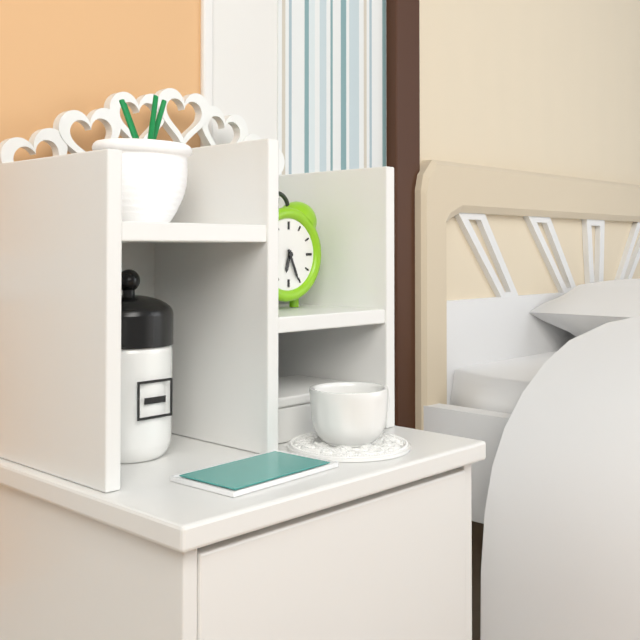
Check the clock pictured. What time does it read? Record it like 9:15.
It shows 6:26
